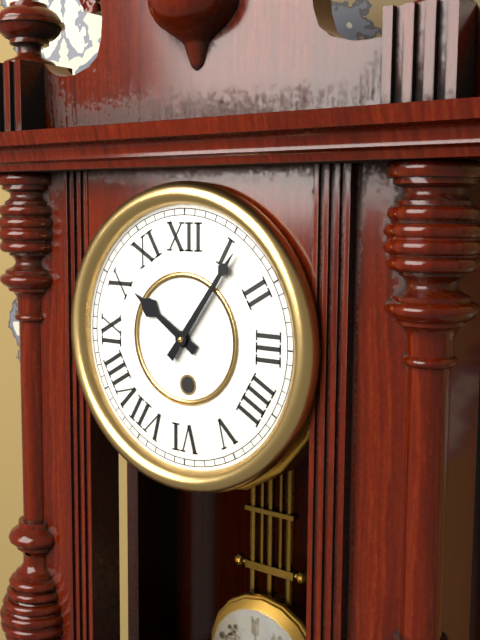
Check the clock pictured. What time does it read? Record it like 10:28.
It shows 10:06
